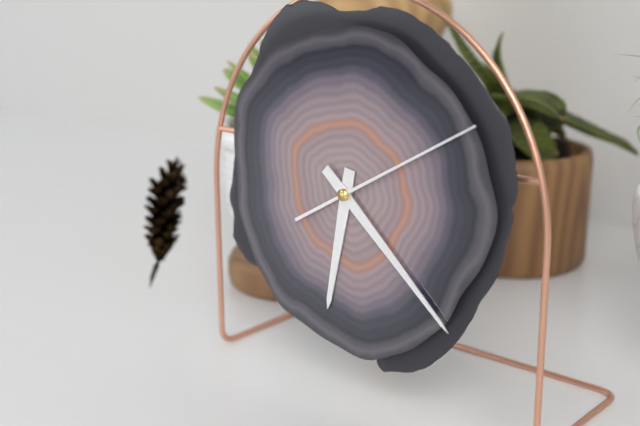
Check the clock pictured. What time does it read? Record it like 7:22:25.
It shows 6:22:10
